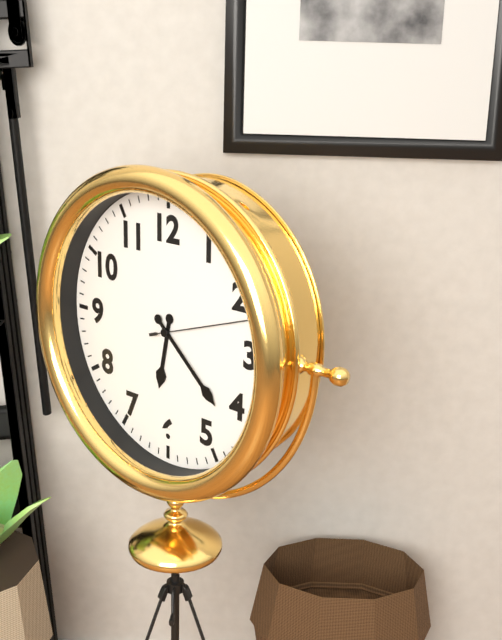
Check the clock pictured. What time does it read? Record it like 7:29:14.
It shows 6:22:12
